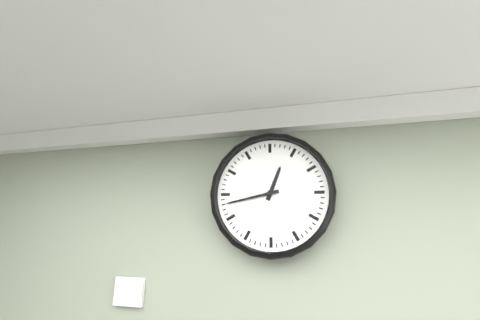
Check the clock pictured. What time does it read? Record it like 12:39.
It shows 12:43
